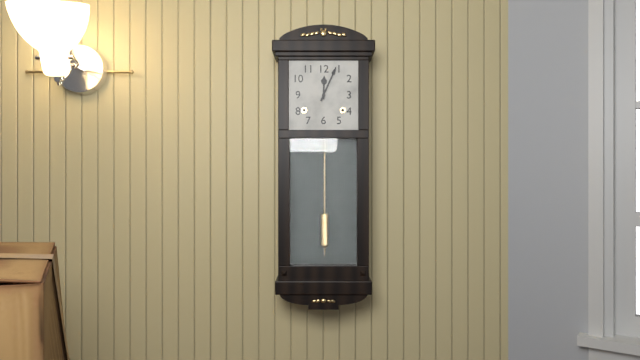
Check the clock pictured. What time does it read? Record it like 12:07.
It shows 12:04
